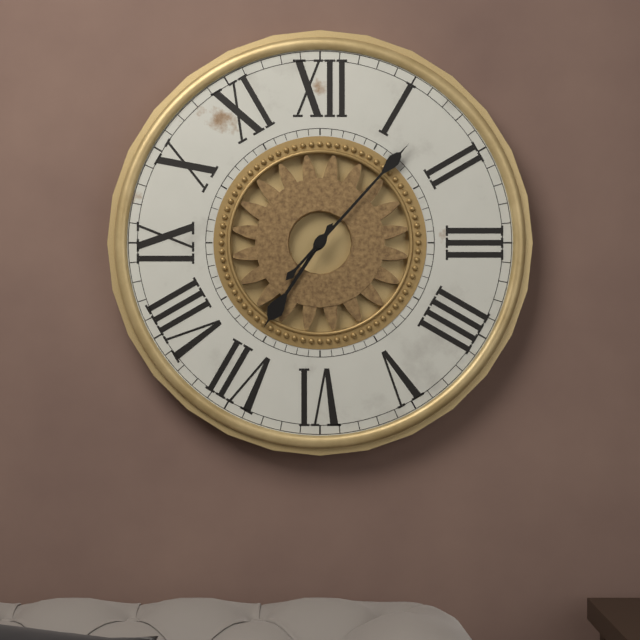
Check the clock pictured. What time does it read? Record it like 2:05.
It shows 7:07
